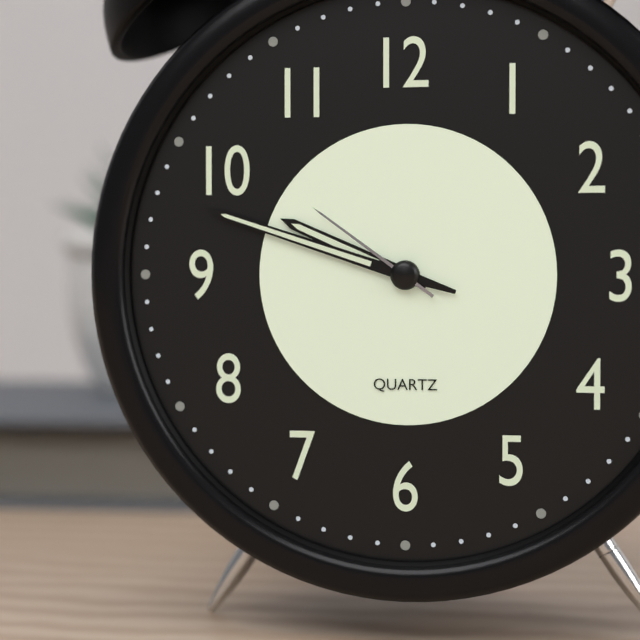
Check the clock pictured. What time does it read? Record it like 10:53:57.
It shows 9:48:51
